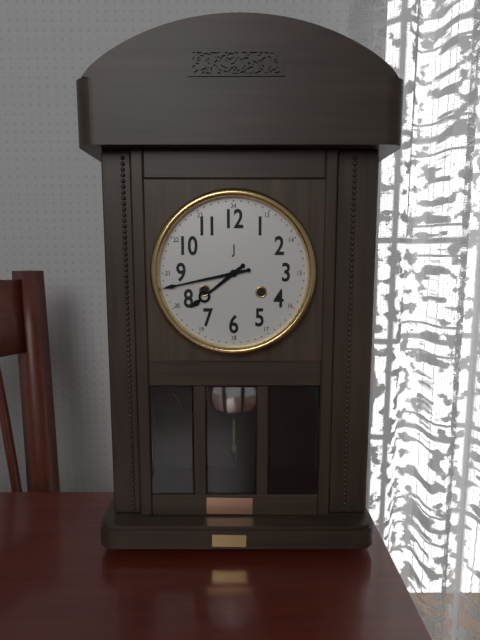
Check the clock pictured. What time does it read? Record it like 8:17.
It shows 7:43
